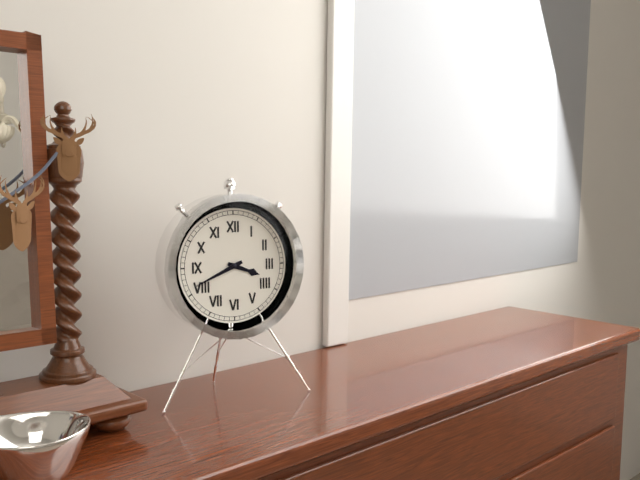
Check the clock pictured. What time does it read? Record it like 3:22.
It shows 3:41
